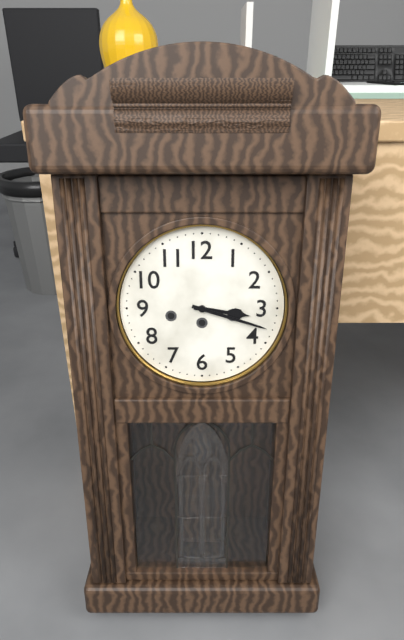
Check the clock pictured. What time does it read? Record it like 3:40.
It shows 3:18
